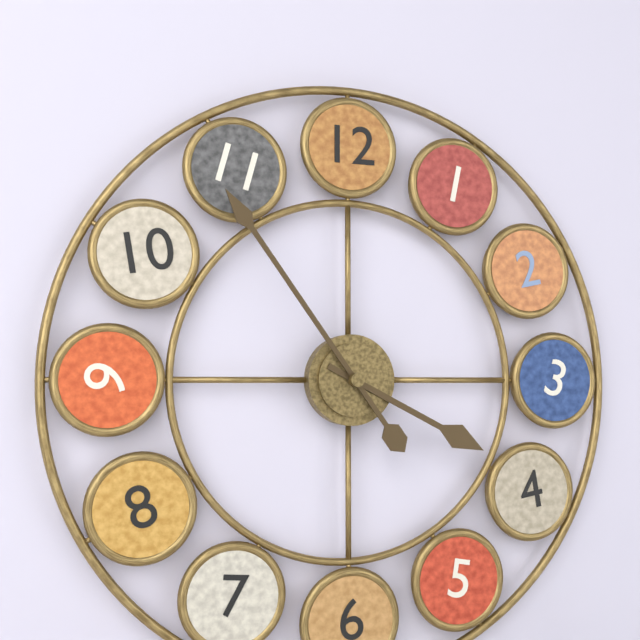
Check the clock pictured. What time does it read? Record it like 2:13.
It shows 3:54
